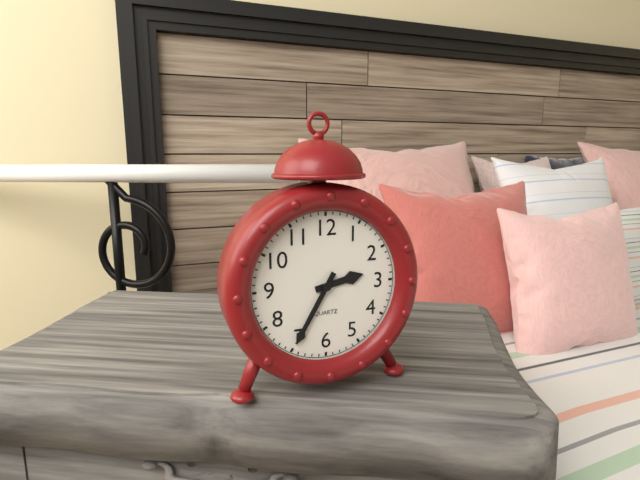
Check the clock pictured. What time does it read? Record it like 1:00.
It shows 2:35
